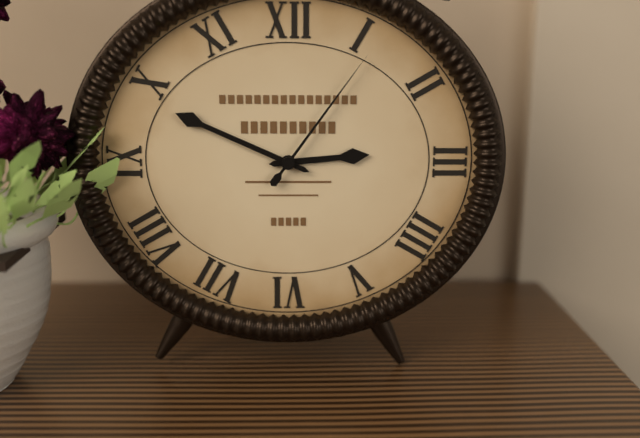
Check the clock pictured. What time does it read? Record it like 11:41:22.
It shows 2:49:06
